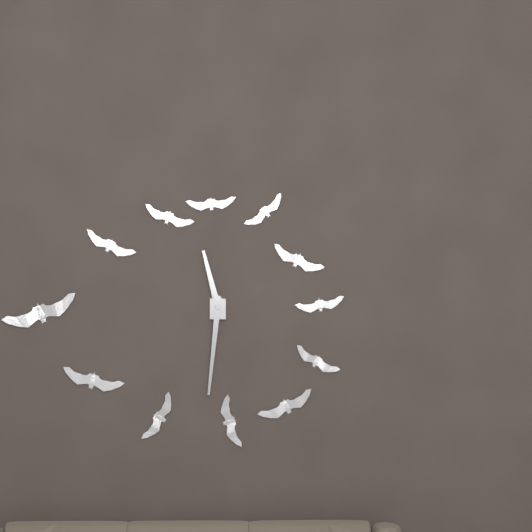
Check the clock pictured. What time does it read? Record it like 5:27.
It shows 11:31
